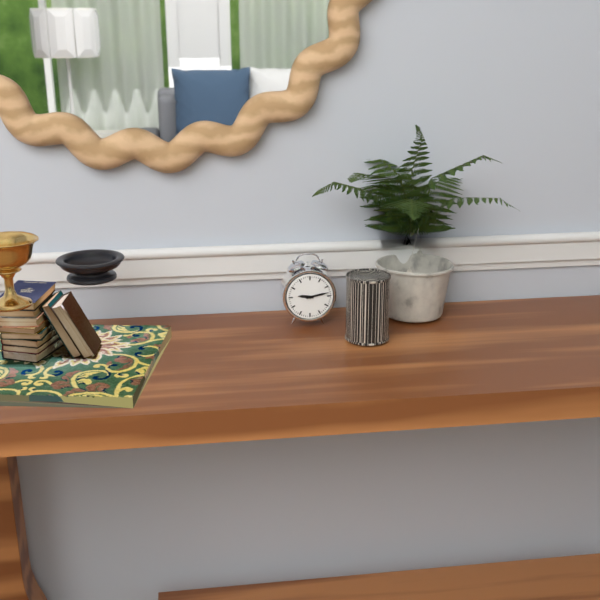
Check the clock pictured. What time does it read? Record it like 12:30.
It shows 9:13
